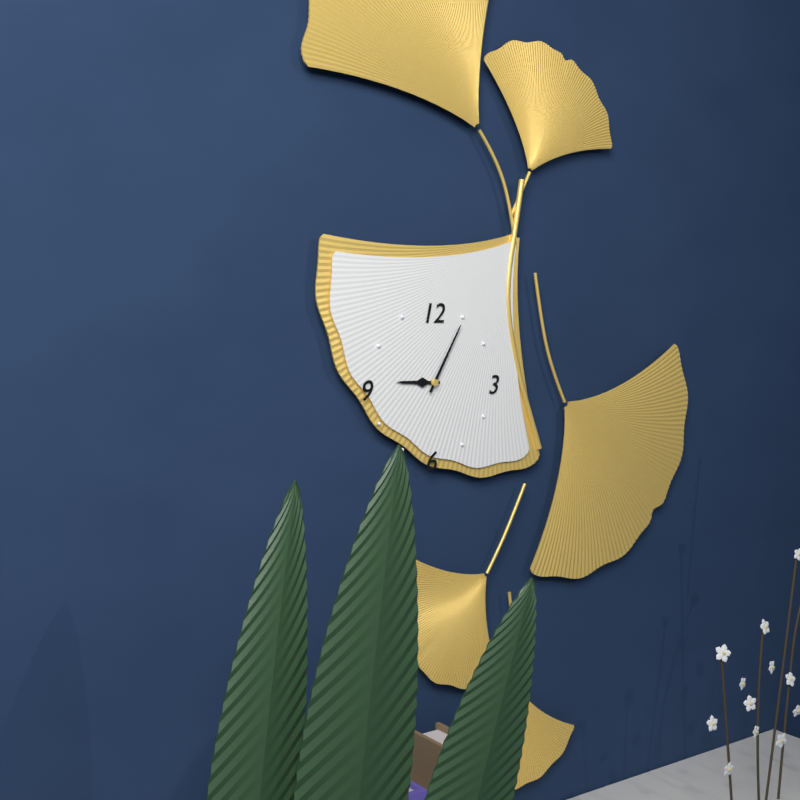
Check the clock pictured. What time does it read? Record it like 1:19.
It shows 9:05
